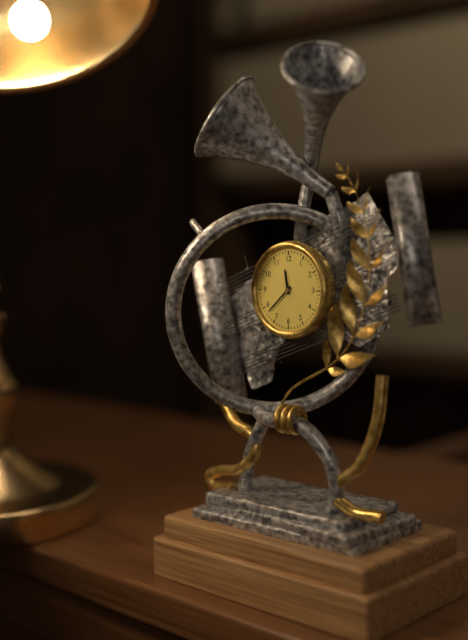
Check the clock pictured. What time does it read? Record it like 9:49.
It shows 11:38
